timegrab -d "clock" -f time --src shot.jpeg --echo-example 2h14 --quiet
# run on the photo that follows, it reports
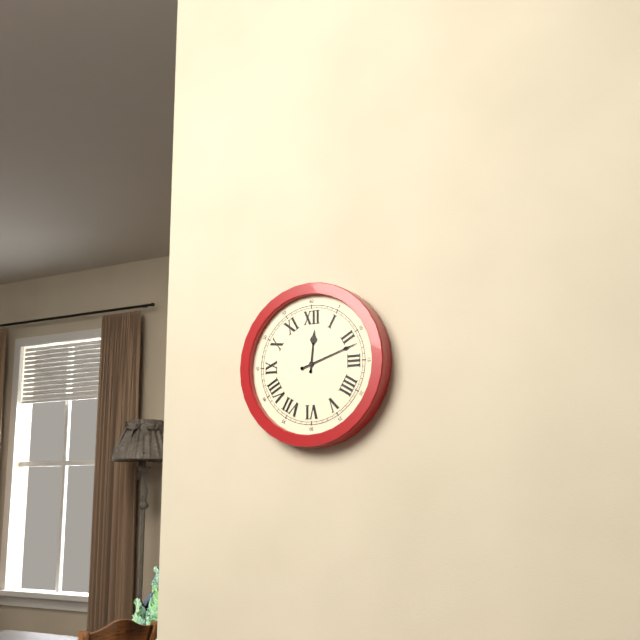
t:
12h12
